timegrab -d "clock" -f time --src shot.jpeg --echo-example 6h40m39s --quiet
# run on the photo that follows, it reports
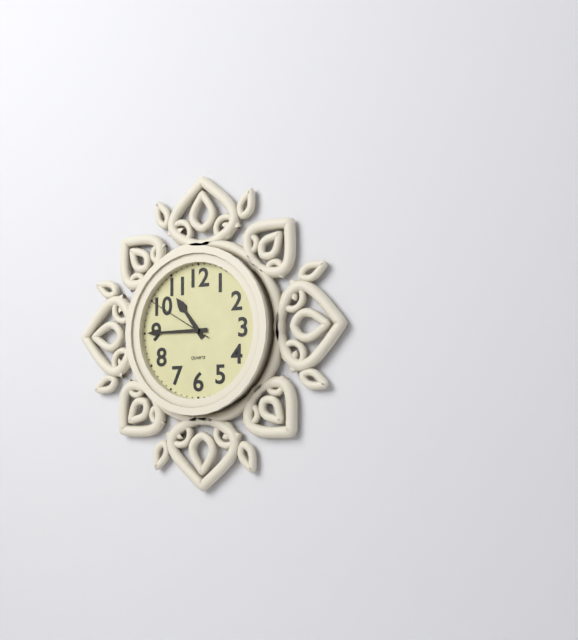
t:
10h45m50s
